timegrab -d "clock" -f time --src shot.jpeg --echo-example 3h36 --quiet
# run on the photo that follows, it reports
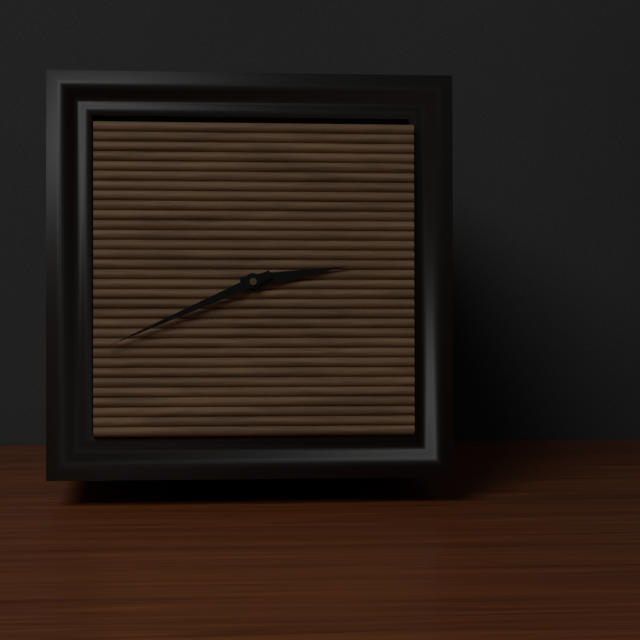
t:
2h41
